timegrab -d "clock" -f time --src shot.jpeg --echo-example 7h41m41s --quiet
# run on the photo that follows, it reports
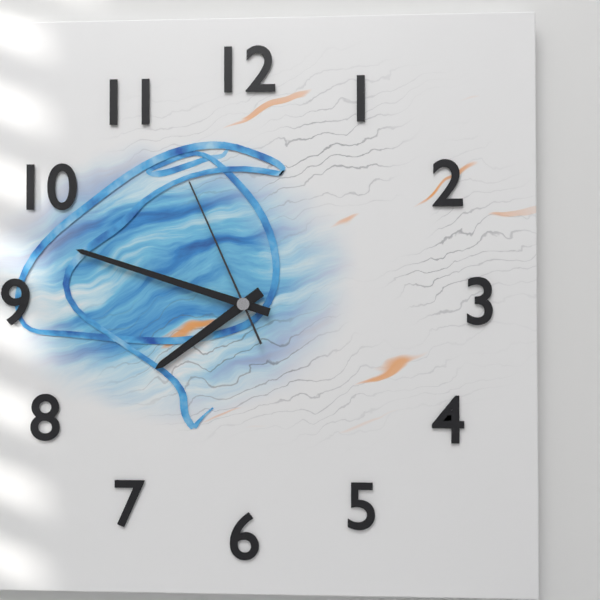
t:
7h48m56s
